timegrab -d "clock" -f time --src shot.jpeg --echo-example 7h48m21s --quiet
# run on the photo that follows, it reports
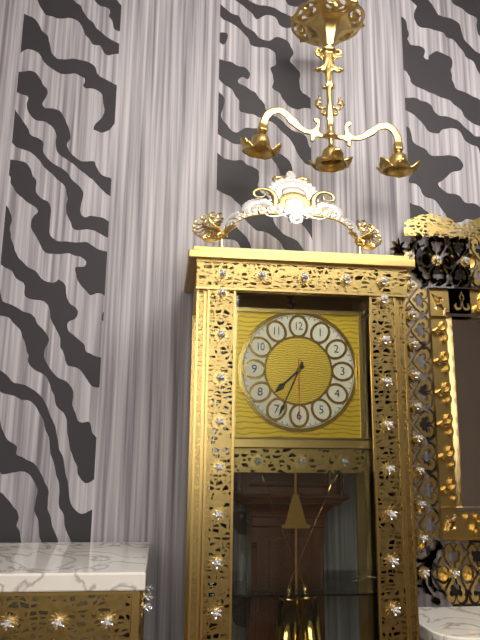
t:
7h34m30s
